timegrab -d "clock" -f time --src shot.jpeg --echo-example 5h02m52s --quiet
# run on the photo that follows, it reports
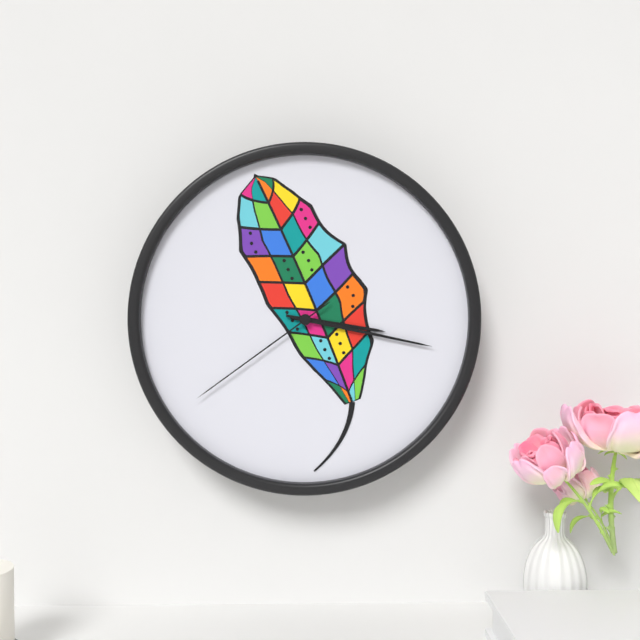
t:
3h17m39s
